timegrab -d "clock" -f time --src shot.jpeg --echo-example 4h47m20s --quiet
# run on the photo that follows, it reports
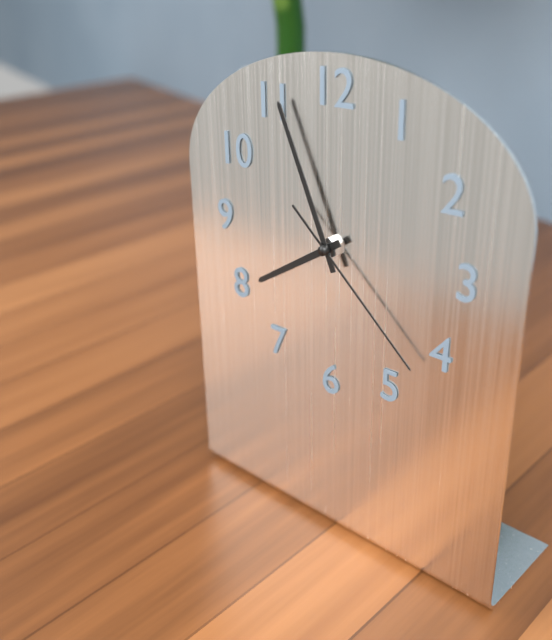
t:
7h56m22s
